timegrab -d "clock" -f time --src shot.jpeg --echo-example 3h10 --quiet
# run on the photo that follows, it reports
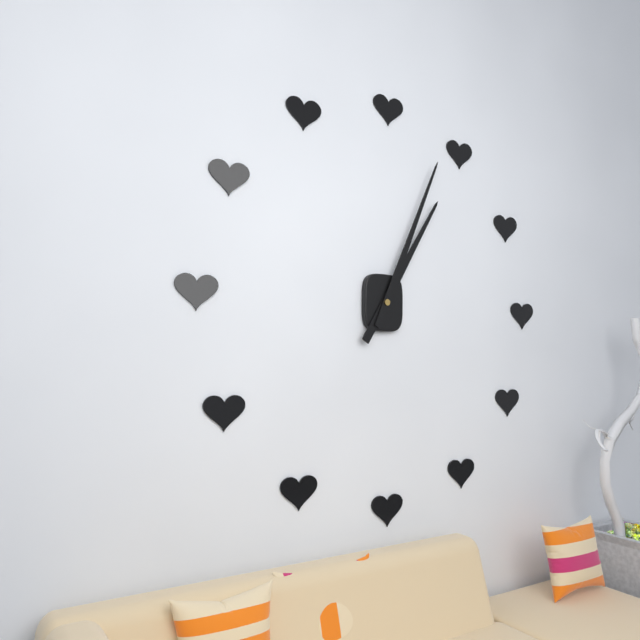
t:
1h04
